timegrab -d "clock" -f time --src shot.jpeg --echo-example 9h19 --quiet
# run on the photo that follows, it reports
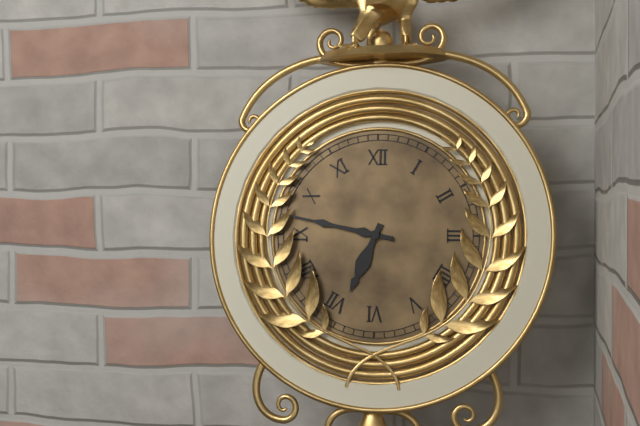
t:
6h47
